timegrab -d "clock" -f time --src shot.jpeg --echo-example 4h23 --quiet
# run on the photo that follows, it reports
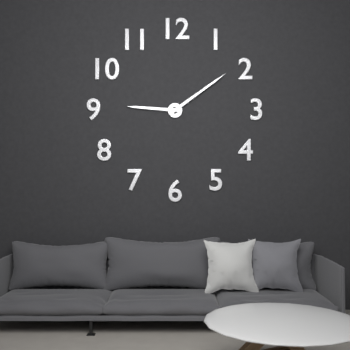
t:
9h09
